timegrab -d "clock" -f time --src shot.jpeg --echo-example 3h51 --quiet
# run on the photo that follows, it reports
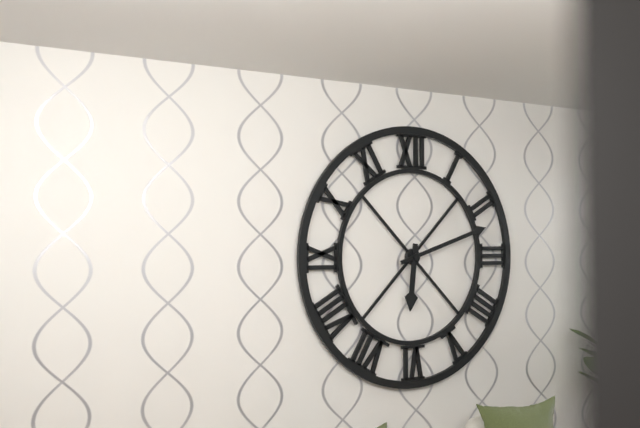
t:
6h12
